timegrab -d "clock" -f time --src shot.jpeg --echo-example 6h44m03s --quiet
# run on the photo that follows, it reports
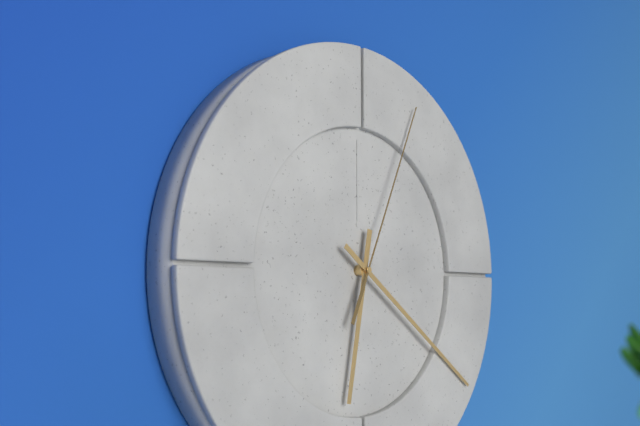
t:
6h21m04s
